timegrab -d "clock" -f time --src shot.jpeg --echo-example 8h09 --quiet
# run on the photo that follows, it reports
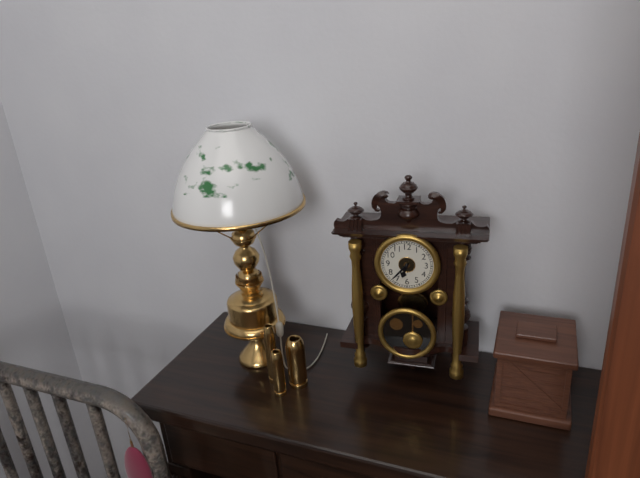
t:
6h37
